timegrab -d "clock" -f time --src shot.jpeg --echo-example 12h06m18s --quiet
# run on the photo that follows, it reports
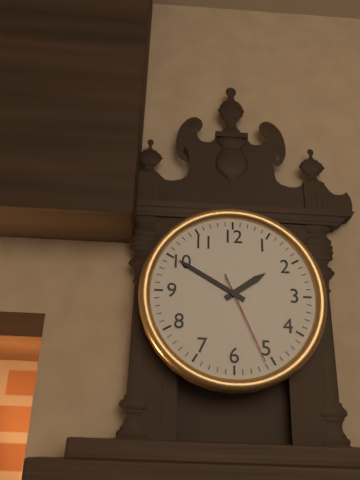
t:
1h50m26s
